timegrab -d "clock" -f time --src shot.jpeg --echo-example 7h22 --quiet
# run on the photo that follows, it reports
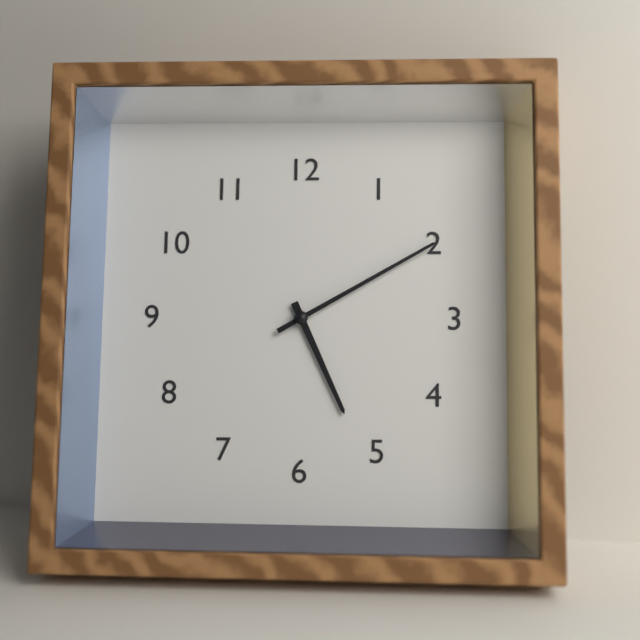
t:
5h10
